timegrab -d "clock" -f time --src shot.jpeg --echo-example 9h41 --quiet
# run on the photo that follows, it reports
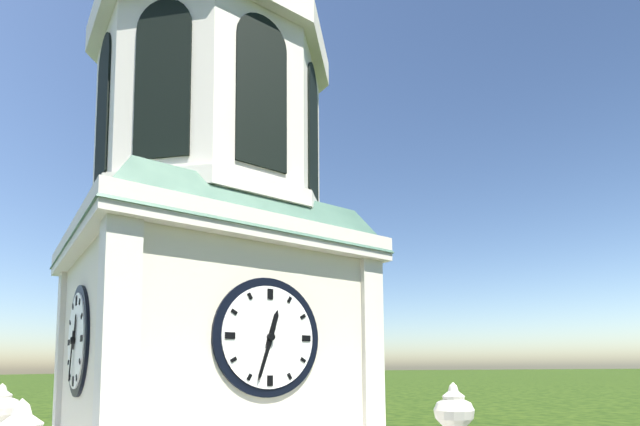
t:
12h33
